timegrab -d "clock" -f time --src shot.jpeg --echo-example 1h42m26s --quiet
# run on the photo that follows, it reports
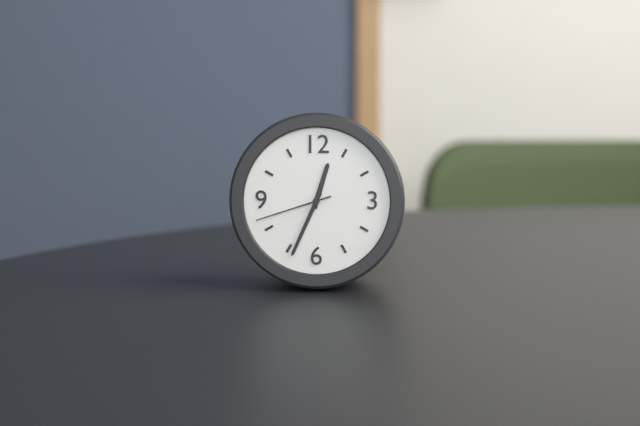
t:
12h34m42s
